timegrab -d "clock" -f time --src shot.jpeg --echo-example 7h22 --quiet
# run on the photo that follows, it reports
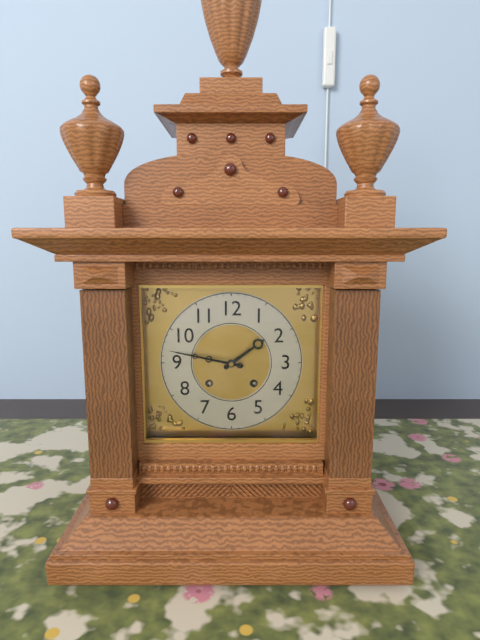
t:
1h47
